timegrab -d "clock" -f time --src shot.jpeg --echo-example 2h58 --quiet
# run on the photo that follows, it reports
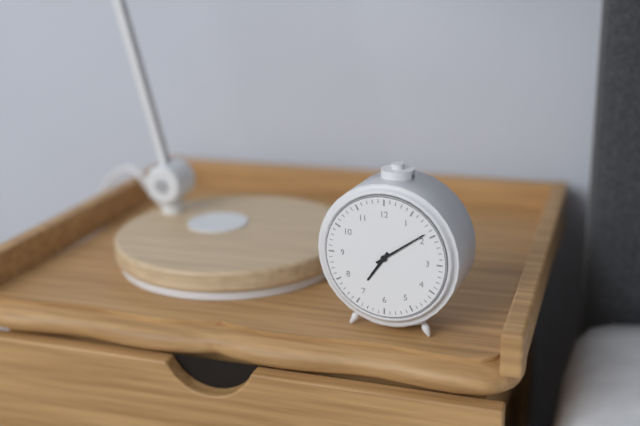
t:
7h09
